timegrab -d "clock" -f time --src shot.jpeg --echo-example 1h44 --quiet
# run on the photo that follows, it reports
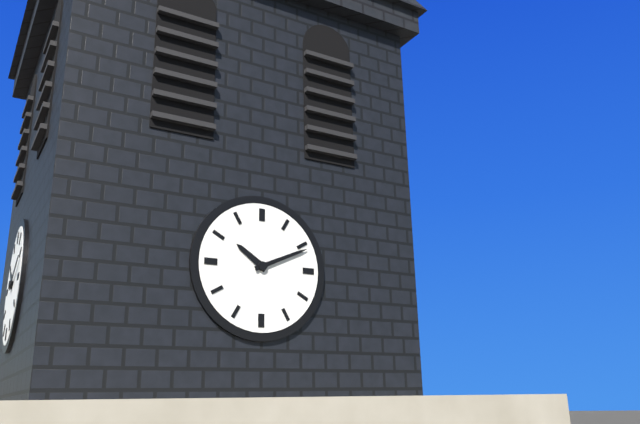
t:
10h11
